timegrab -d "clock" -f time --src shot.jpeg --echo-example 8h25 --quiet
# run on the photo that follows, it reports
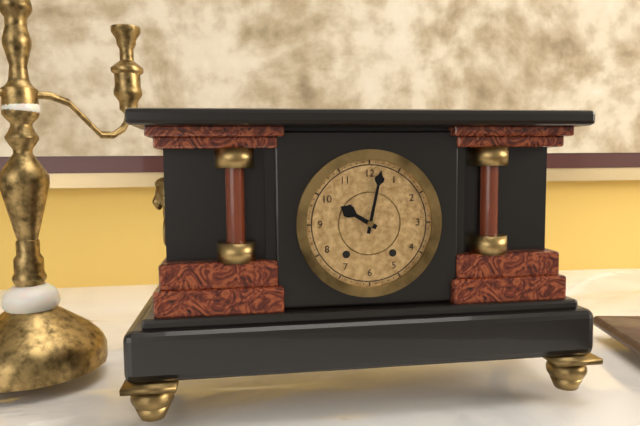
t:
10h02
